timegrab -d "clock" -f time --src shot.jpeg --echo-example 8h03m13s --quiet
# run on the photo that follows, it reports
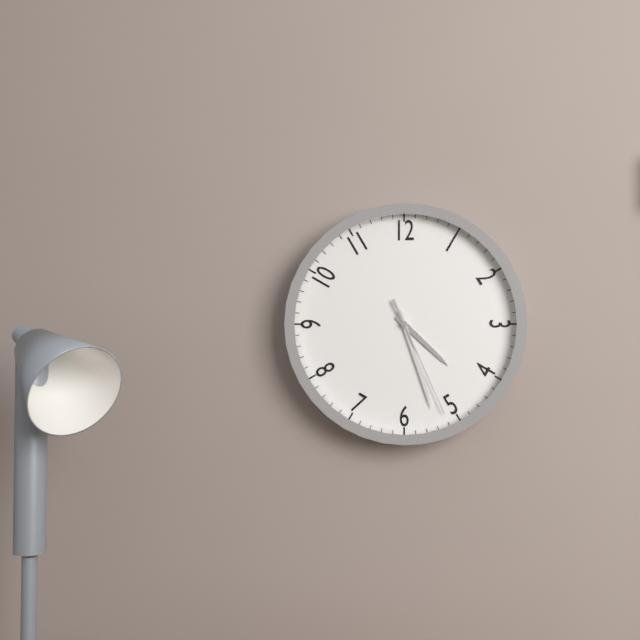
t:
4h27m26s
